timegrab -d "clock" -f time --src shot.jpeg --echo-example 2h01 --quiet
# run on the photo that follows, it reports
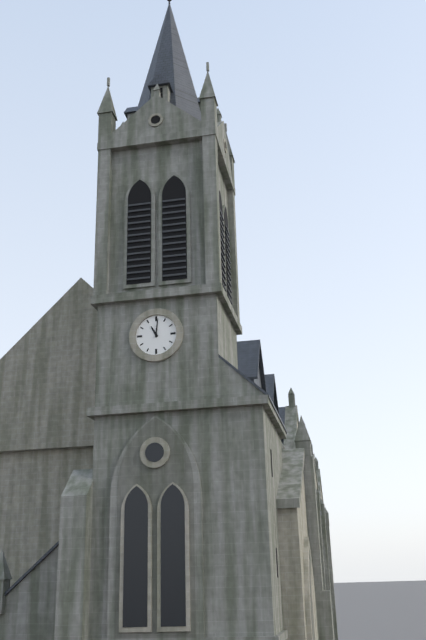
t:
11h01
